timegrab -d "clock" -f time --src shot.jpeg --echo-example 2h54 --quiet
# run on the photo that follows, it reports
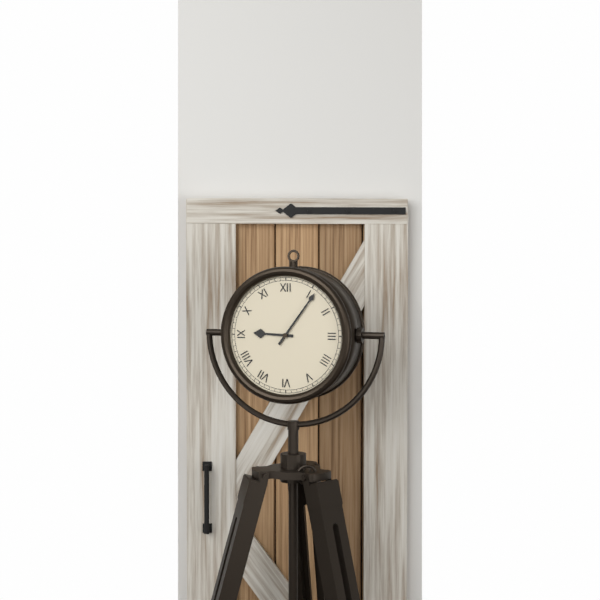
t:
9h06
